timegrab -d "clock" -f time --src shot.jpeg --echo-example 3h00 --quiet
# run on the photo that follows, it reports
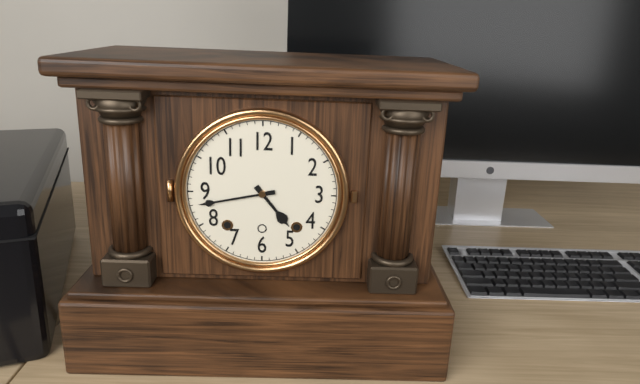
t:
4h43
